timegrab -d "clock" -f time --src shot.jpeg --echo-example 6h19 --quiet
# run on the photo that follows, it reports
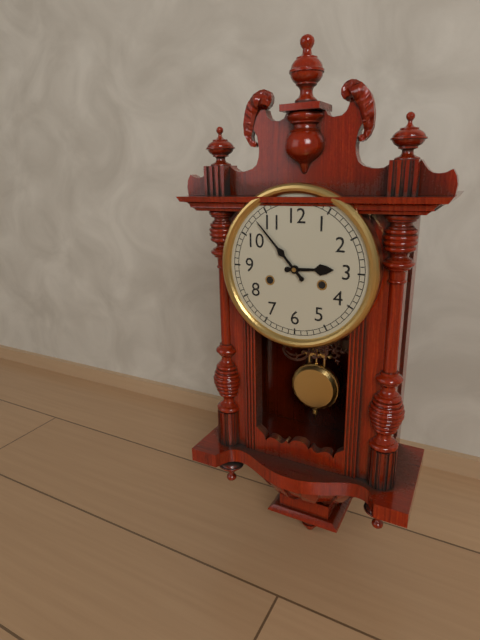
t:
2h53
